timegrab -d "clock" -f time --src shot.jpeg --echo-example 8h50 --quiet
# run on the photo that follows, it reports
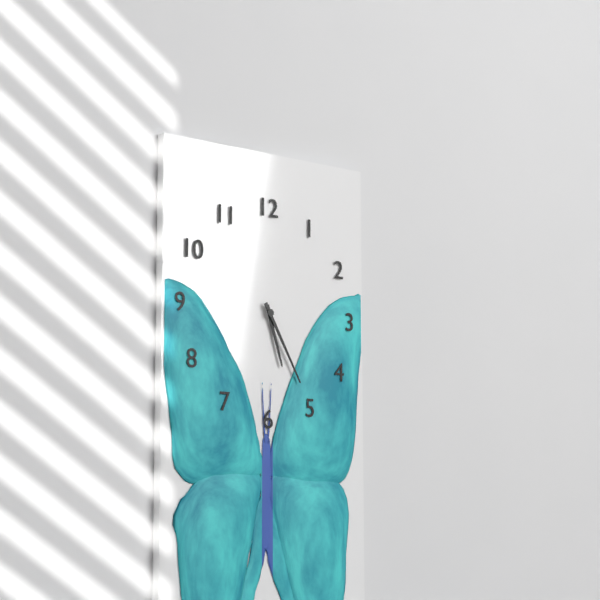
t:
5h25
